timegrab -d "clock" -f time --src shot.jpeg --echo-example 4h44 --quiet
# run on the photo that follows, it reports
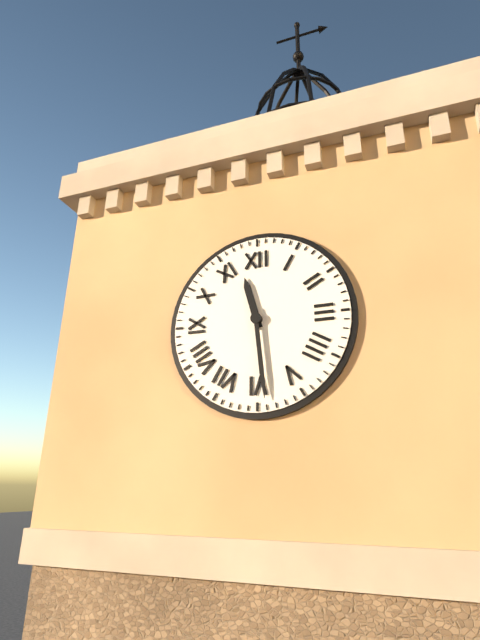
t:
11h29
